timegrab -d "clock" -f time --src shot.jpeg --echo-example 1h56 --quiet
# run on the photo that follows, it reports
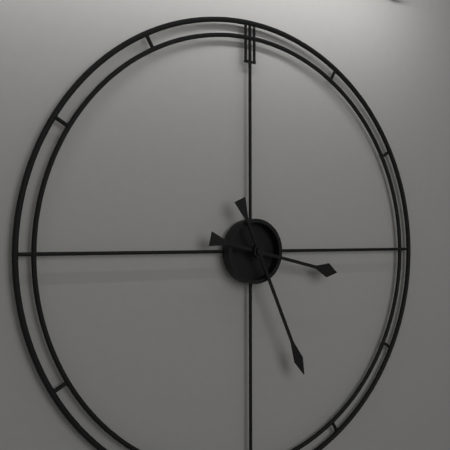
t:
3h26
